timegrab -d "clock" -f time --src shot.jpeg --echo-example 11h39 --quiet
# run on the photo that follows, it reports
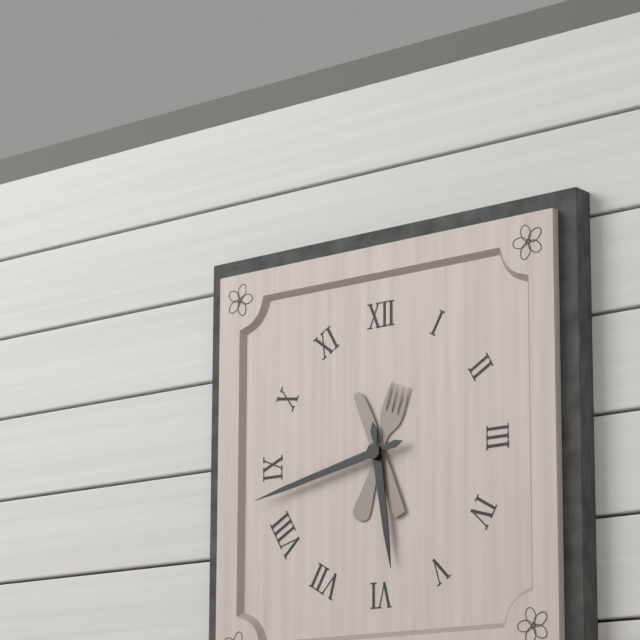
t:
5h43
